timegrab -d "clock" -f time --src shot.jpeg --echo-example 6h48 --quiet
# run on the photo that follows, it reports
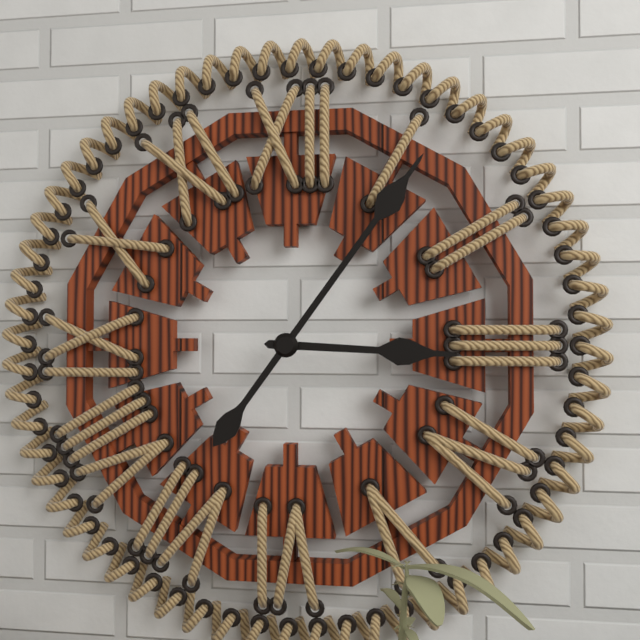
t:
3h06
